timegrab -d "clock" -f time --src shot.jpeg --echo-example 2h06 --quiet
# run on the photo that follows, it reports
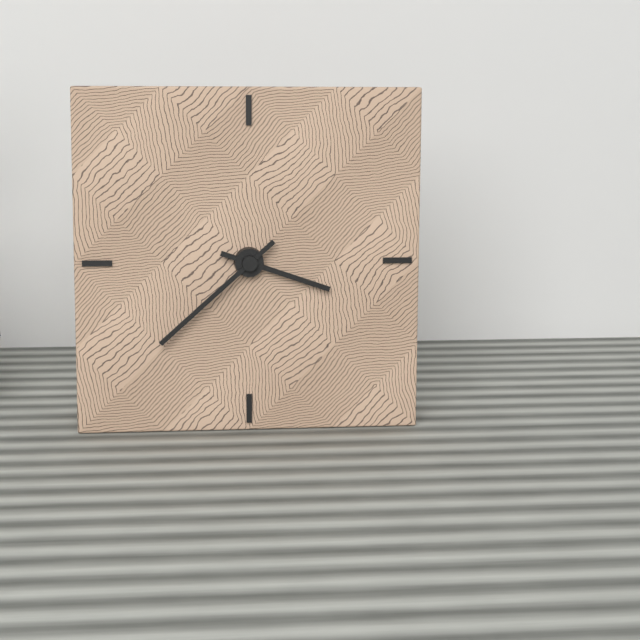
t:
3h38
